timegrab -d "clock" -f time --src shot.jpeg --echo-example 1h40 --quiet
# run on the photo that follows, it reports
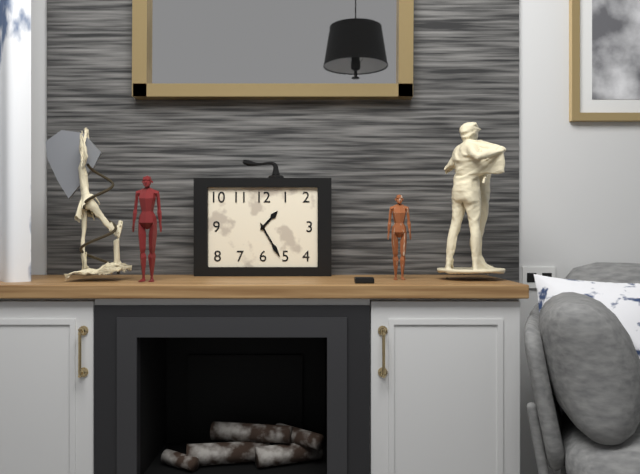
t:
1h25
